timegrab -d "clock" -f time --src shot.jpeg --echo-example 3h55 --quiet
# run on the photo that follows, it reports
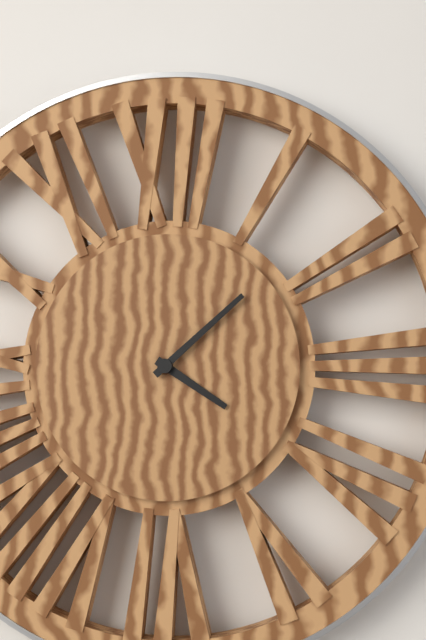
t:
4h08
